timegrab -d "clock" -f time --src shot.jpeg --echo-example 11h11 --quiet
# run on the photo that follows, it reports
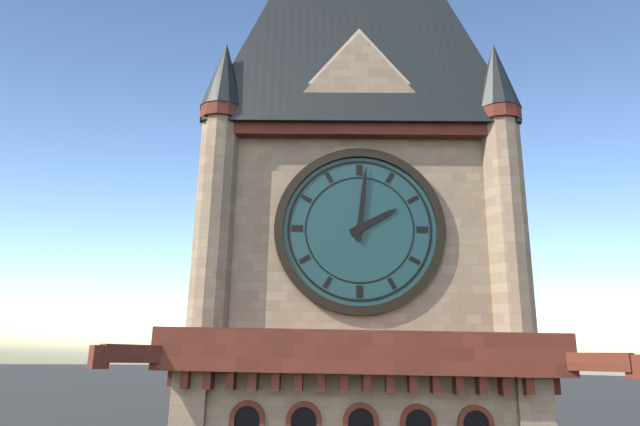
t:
2h01
